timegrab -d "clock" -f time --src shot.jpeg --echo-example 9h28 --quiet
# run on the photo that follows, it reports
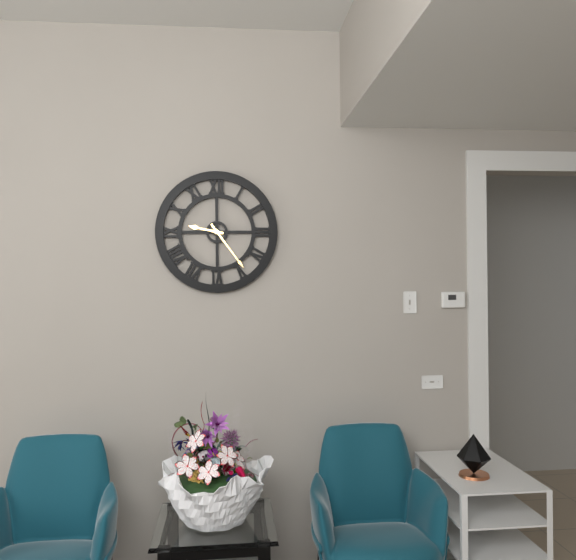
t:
9h24
